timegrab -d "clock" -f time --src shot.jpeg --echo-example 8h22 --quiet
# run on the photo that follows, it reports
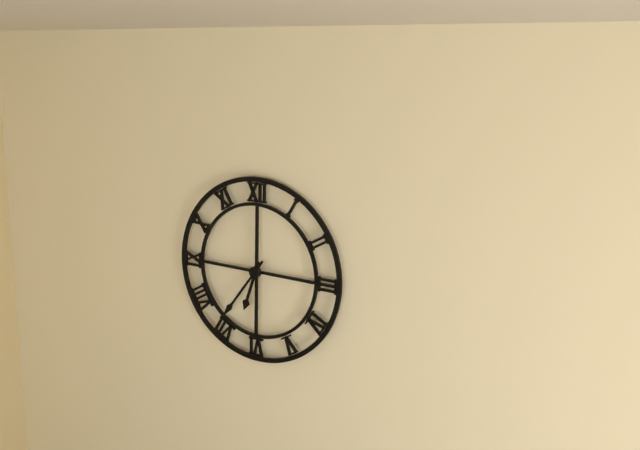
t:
6h36
